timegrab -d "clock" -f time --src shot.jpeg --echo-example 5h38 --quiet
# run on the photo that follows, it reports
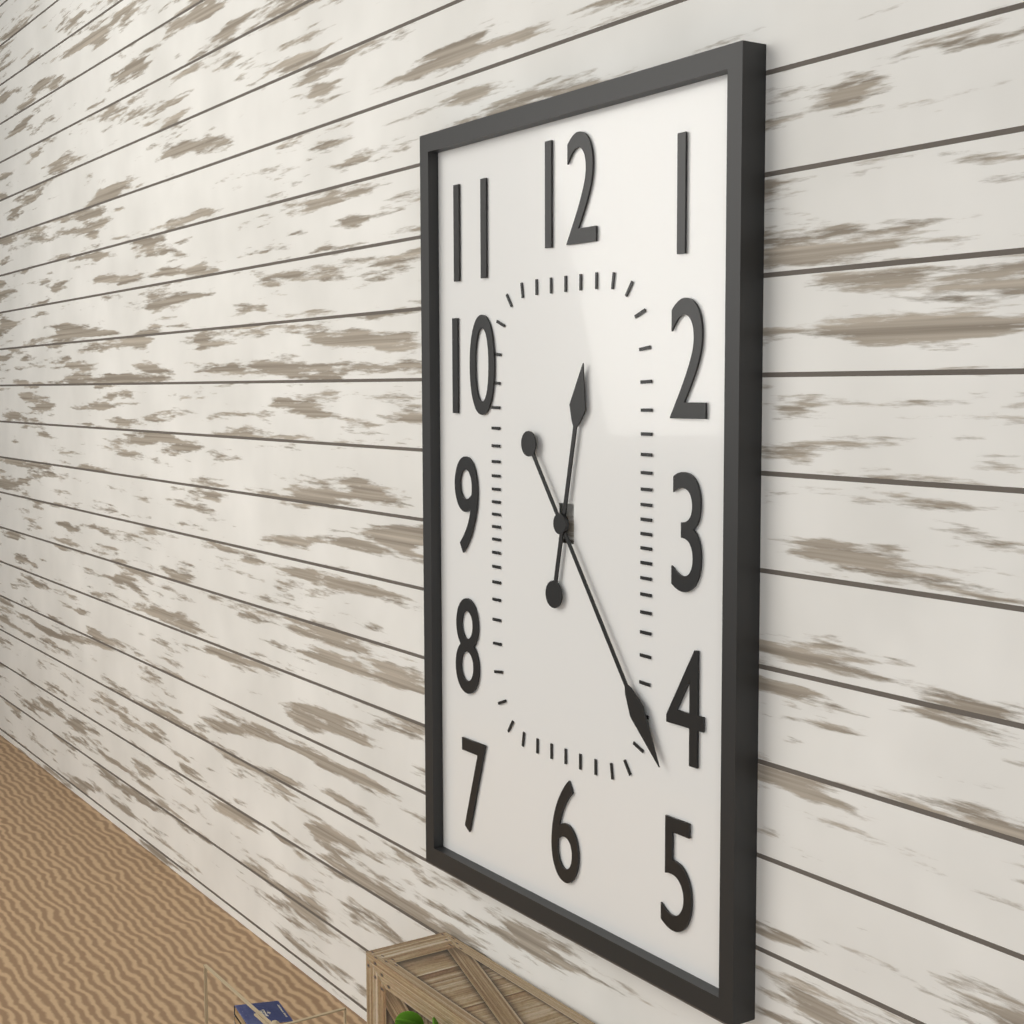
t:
12h24
